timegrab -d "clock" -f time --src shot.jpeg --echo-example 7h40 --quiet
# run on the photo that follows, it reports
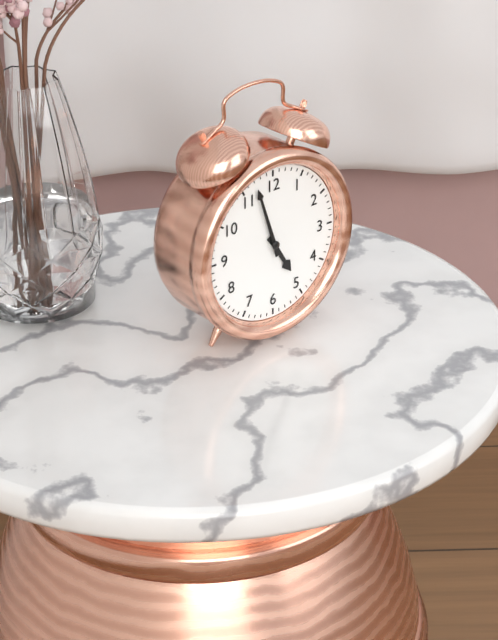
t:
4h57
